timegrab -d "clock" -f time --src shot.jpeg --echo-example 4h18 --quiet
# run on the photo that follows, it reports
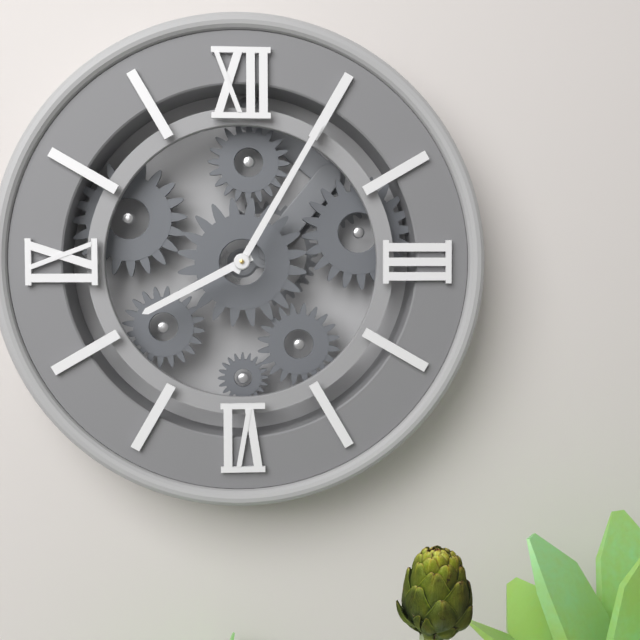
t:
8h05
